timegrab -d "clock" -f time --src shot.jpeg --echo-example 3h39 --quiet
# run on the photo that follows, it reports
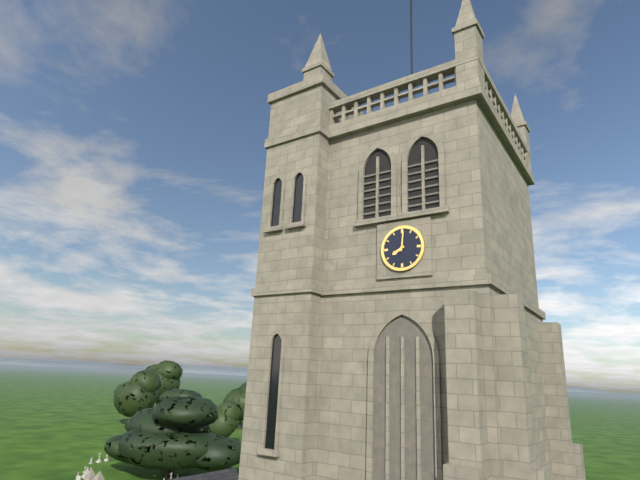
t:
8h01
